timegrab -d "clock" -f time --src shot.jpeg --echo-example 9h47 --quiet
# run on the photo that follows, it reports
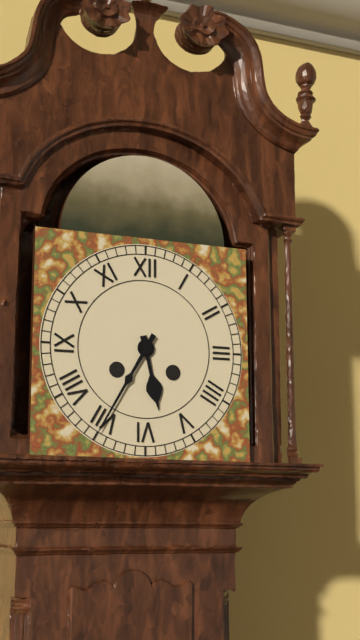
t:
5h35
